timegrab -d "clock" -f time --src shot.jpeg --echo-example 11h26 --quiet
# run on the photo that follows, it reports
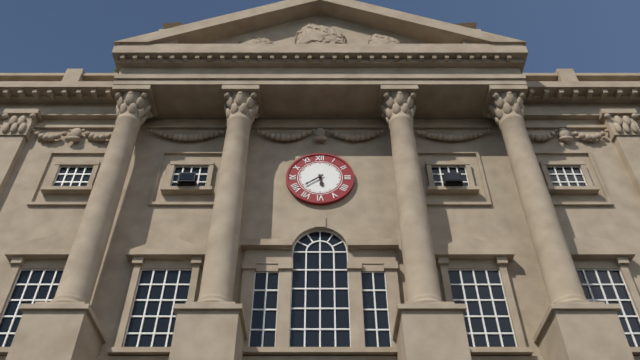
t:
5h39
